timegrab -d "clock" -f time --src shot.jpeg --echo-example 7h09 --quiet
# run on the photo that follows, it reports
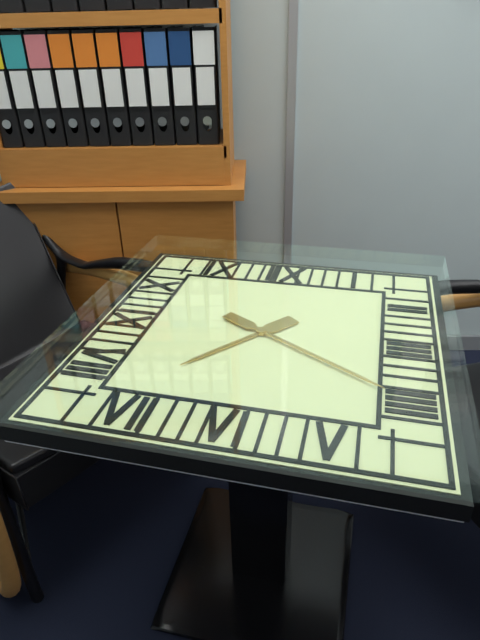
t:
7h20
